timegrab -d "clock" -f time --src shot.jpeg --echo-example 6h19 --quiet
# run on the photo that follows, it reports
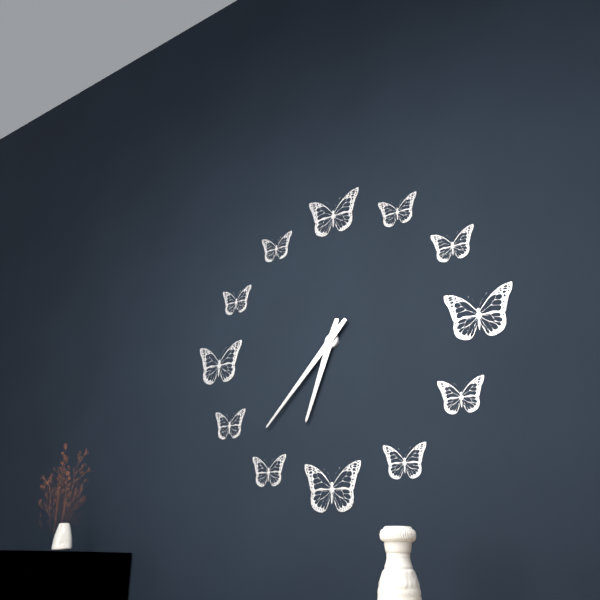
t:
6h37
